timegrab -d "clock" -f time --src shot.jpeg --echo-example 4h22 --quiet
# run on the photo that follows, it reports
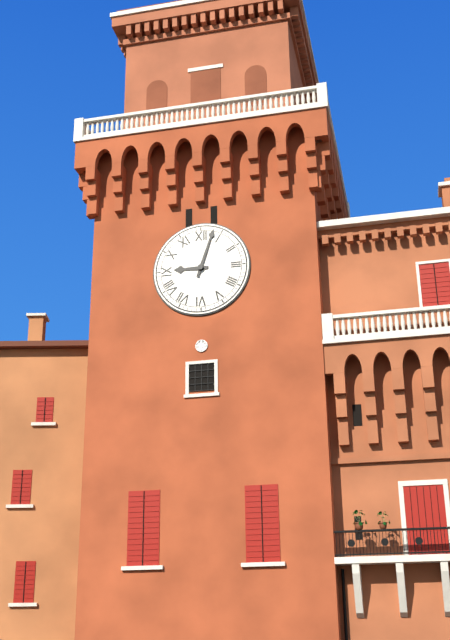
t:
9h03
